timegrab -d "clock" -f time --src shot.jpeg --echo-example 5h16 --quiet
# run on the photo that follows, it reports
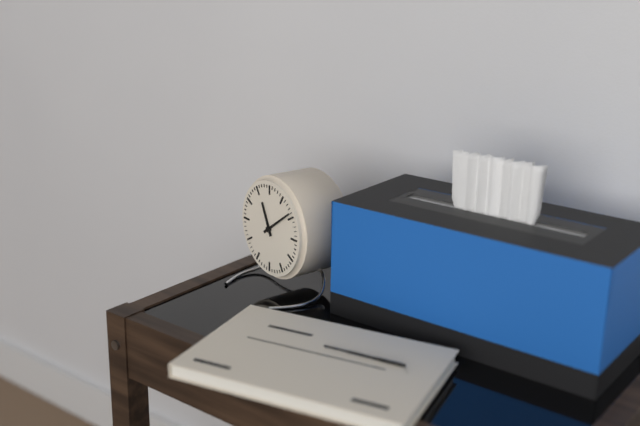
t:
11h09
